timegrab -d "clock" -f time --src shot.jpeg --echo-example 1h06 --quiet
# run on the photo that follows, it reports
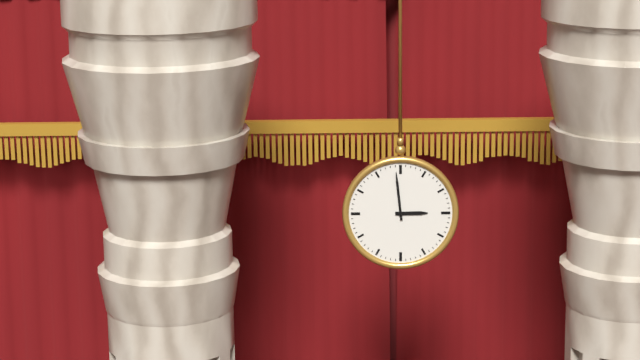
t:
2h59
